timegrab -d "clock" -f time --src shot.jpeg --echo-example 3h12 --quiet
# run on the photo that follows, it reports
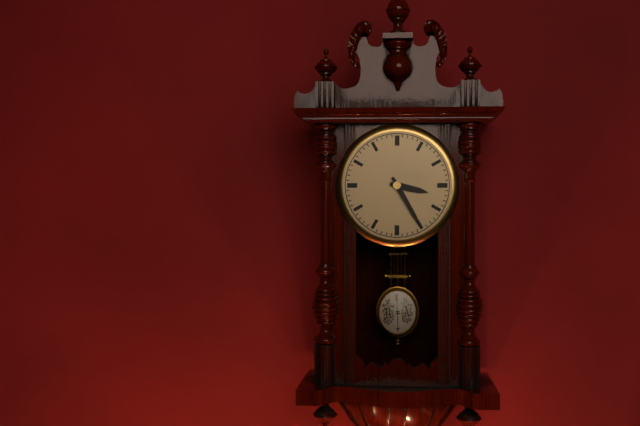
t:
3h25
